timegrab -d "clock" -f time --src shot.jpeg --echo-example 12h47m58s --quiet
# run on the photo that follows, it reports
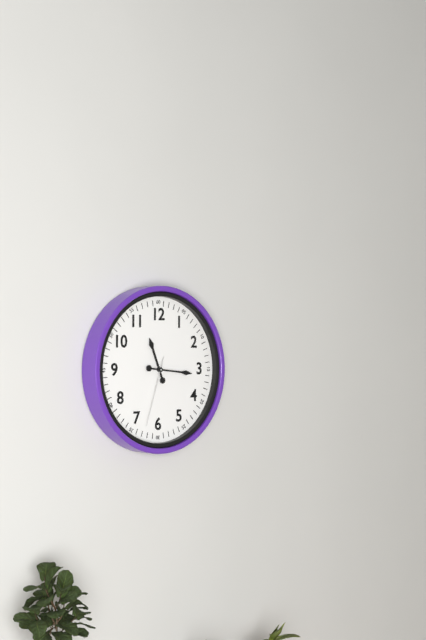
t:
11h16m33s
